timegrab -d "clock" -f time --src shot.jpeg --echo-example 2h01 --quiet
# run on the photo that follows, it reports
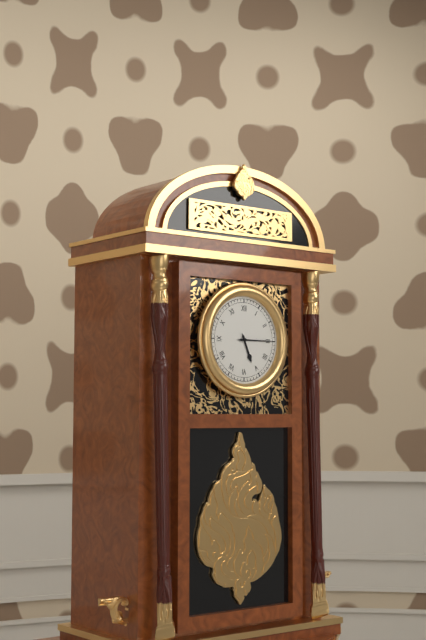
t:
5h15
